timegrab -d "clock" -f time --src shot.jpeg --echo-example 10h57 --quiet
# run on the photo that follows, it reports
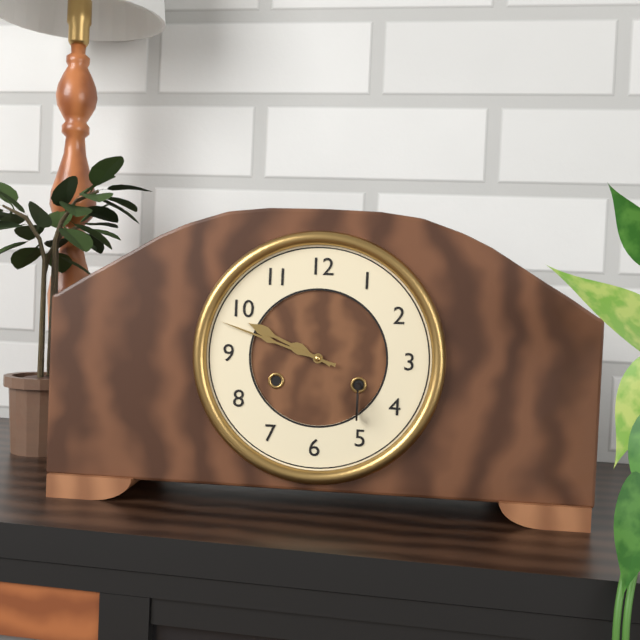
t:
9h48
